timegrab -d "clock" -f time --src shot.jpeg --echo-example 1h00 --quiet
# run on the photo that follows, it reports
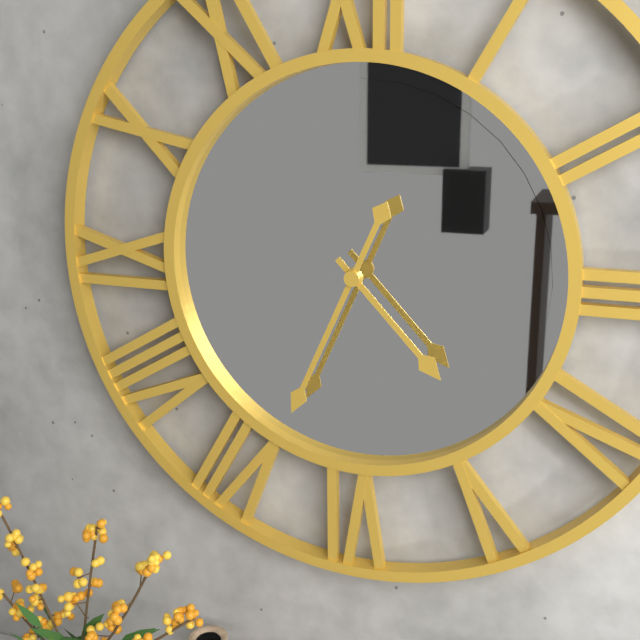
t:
4h34
